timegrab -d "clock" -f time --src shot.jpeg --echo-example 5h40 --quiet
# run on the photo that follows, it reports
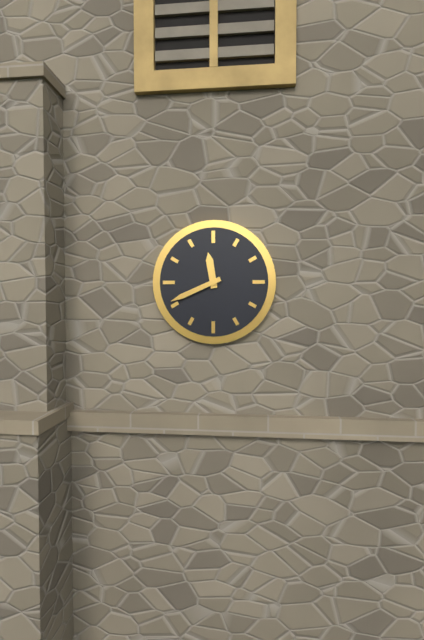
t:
11h41
